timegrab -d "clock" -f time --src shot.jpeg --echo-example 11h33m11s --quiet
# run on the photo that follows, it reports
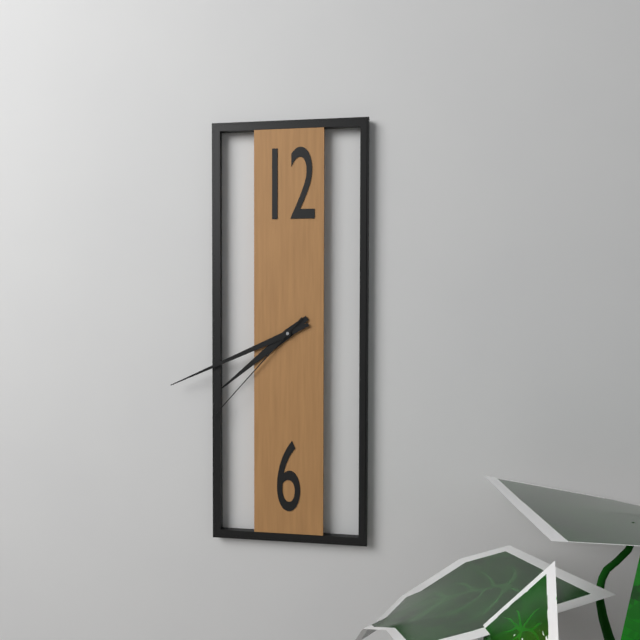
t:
7h41m37s
